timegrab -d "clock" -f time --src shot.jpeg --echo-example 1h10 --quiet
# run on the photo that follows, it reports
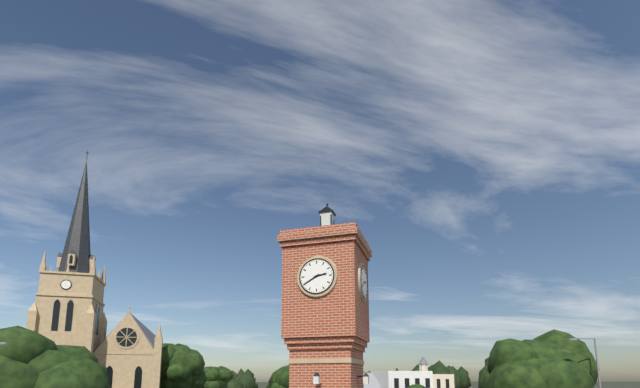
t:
2h40
